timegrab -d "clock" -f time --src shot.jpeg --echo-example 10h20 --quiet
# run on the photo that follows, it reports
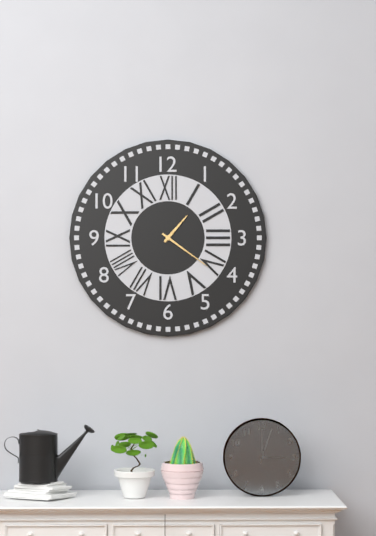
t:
1h21
